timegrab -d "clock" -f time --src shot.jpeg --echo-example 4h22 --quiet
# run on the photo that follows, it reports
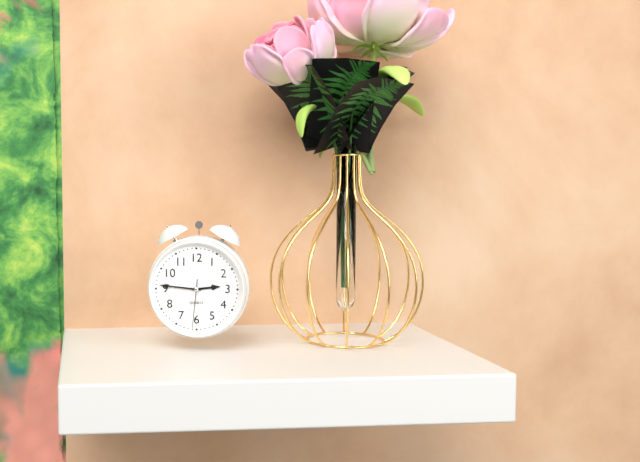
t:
2h46
